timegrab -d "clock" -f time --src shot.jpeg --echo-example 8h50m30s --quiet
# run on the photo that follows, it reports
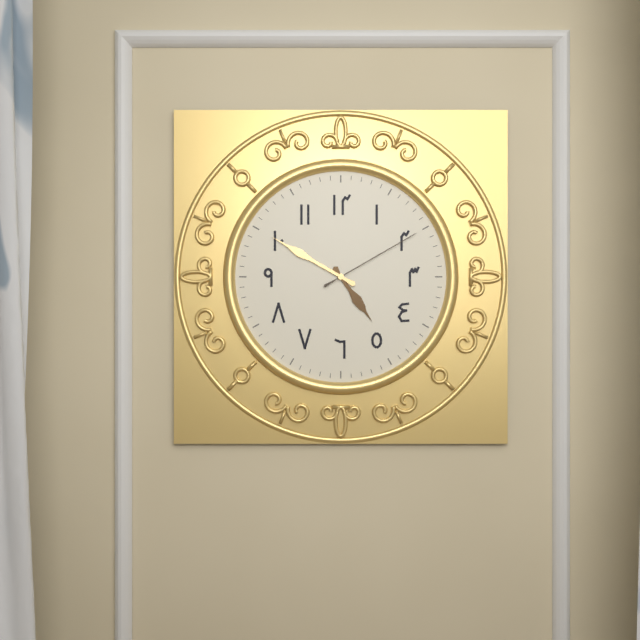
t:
4h50m10s
